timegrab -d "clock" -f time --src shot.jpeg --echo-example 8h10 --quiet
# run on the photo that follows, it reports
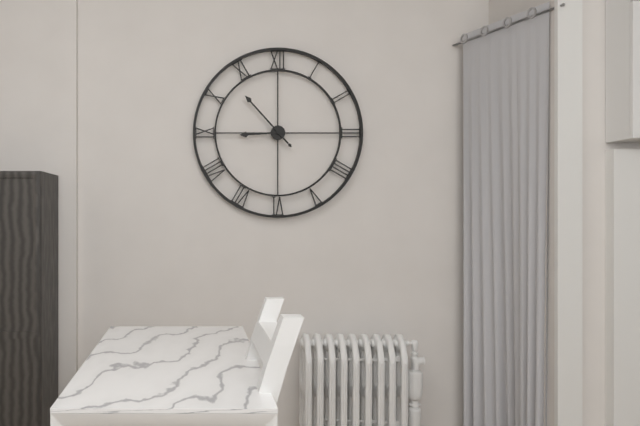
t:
8h53
